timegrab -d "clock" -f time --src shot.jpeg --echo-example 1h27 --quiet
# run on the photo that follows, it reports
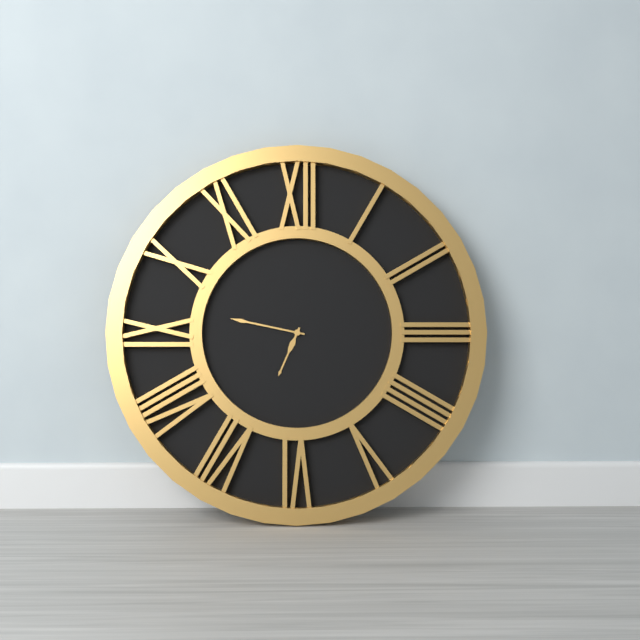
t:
6h47
